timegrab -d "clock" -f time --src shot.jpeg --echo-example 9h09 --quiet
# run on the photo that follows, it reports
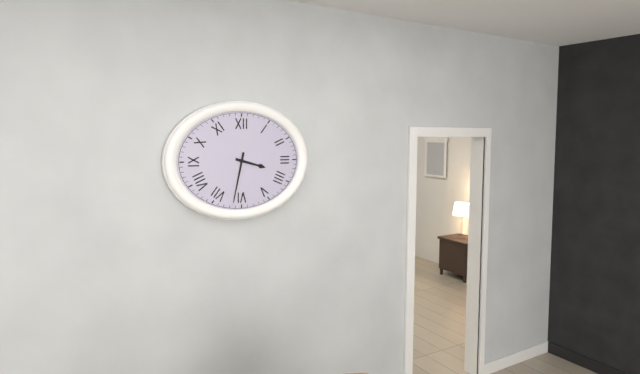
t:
3h32
